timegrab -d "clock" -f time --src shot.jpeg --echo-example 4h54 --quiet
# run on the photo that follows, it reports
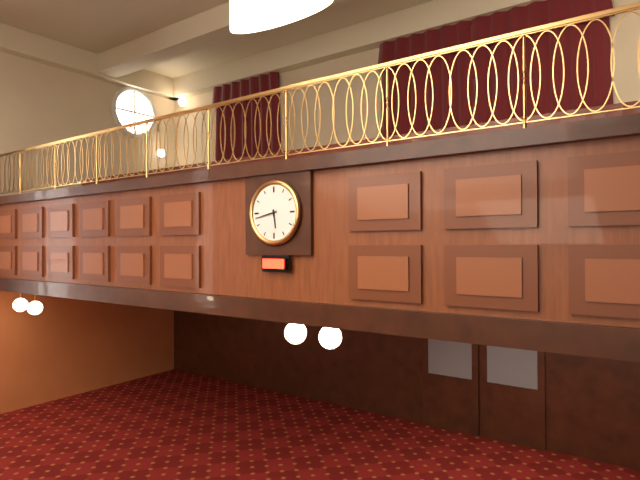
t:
5h43
